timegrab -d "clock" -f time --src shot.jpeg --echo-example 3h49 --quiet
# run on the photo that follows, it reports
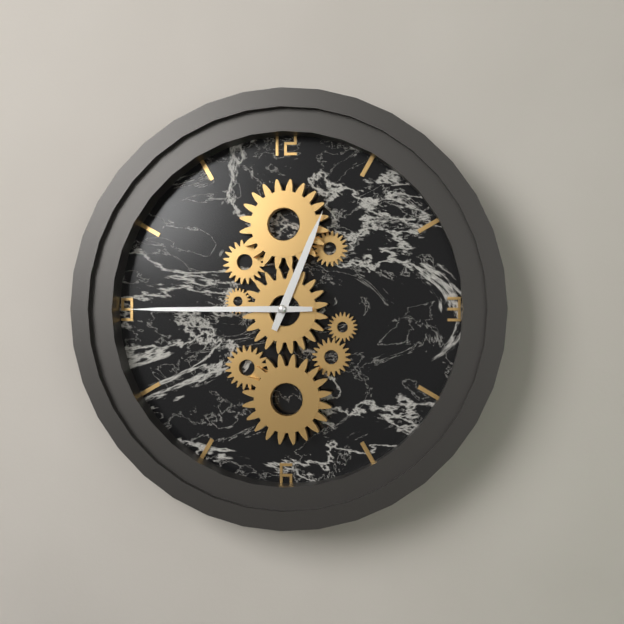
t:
12h45
